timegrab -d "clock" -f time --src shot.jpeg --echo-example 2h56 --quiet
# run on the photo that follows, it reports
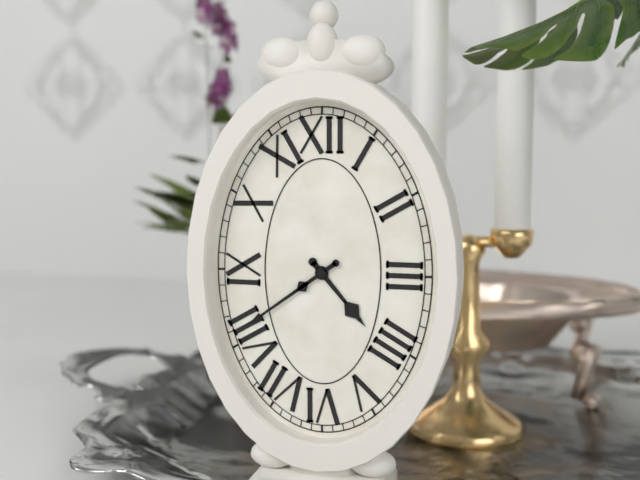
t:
4h39
